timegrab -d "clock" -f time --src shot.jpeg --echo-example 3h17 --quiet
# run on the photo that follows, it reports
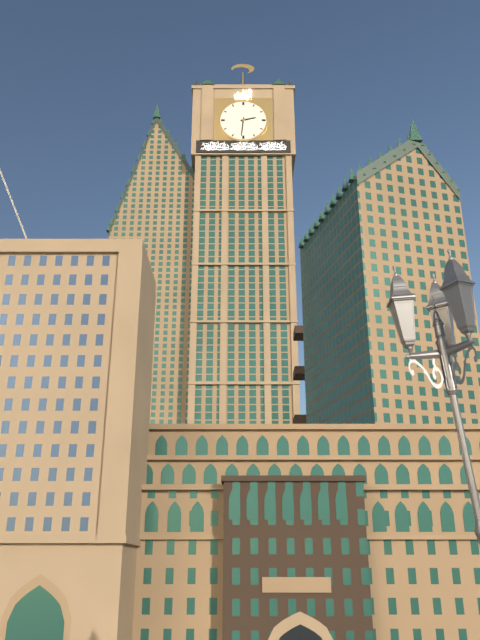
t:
2h31
